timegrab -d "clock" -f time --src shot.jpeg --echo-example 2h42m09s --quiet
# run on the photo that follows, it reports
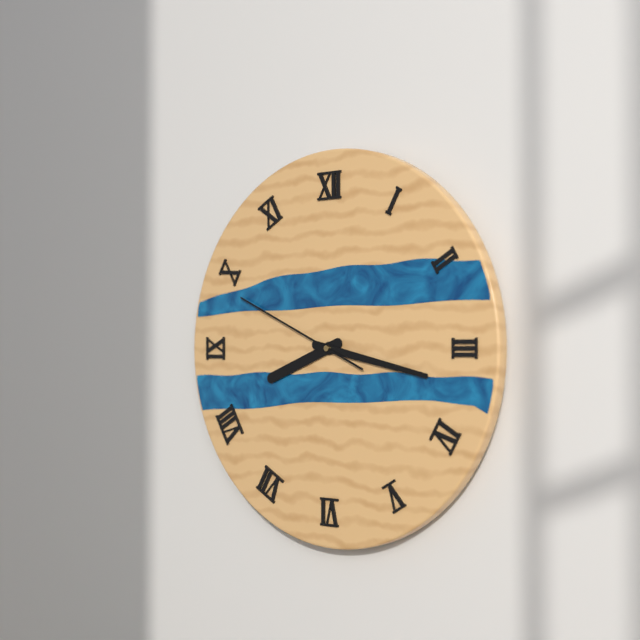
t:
8h17m49s
